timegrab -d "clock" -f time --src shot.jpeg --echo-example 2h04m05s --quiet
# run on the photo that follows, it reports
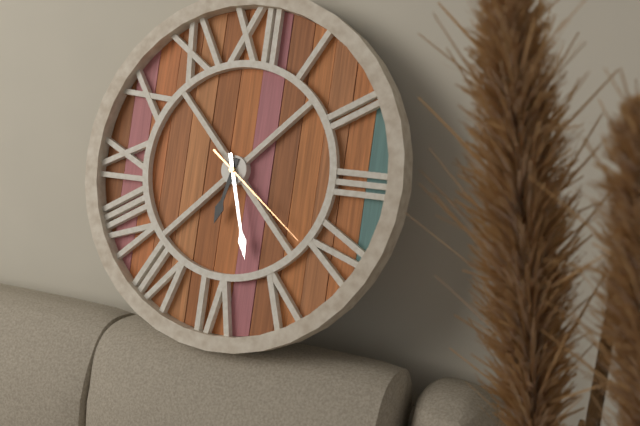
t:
6h27m21s
